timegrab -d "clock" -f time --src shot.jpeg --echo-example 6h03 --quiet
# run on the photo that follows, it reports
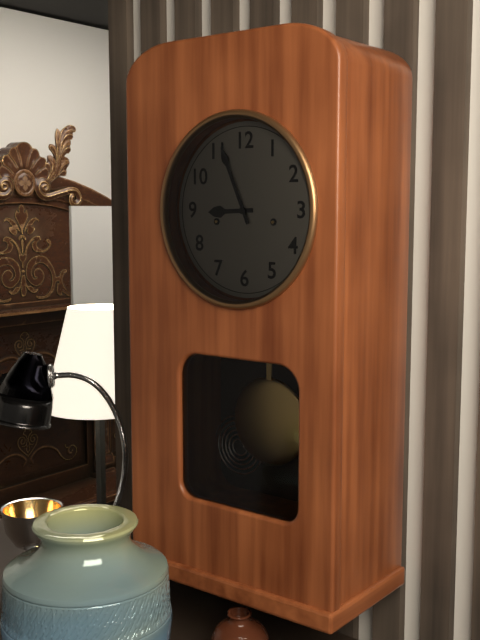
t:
8h56
